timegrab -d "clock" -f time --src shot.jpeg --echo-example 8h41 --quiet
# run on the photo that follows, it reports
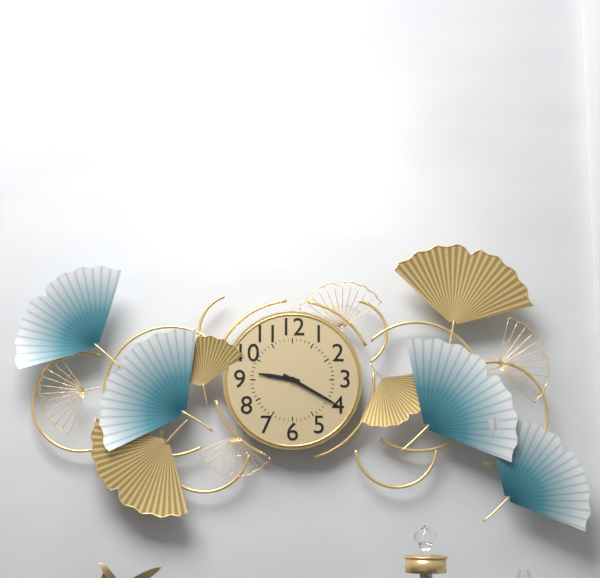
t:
9h20
